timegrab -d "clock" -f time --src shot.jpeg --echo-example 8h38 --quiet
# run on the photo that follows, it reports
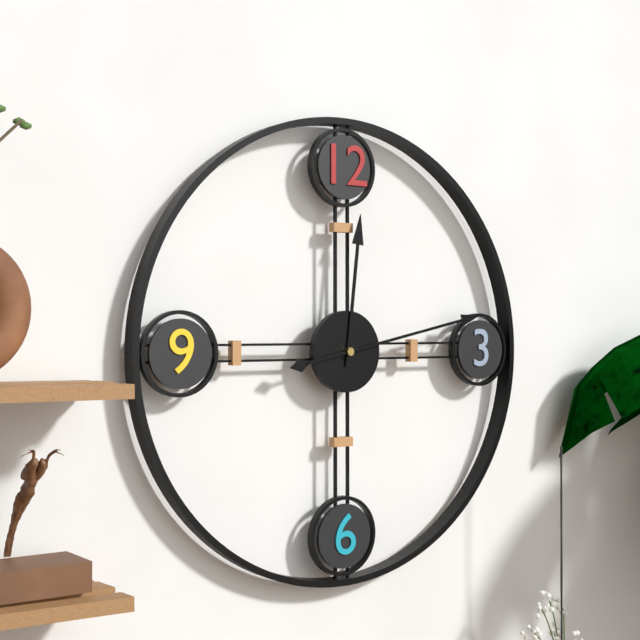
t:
12h13
